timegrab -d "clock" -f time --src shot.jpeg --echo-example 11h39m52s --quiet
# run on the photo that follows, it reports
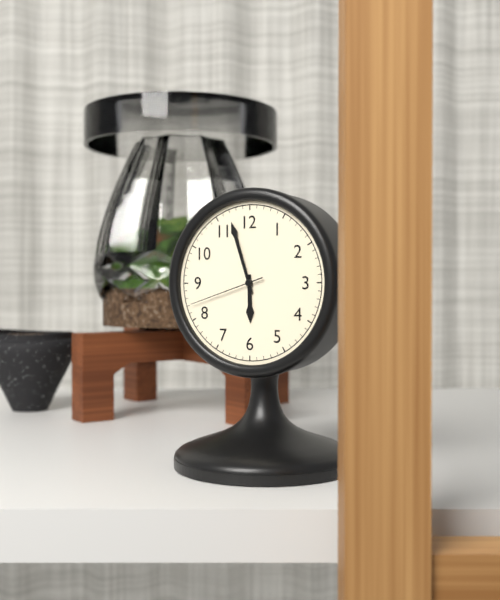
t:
5h57m42s
